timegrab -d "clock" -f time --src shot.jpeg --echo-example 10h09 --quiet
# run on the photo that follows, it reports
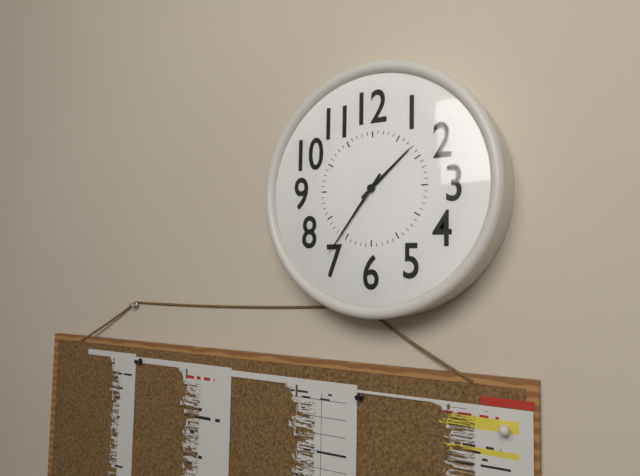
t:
1h36
